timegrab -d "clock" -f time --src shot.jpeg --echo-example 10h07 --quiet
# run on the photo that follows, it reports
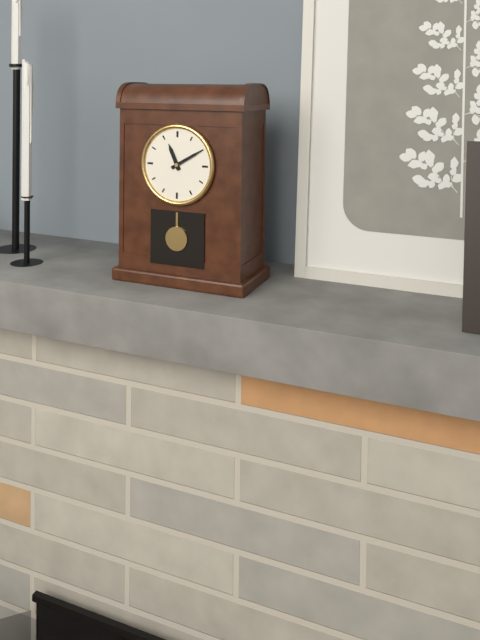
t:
11h10
